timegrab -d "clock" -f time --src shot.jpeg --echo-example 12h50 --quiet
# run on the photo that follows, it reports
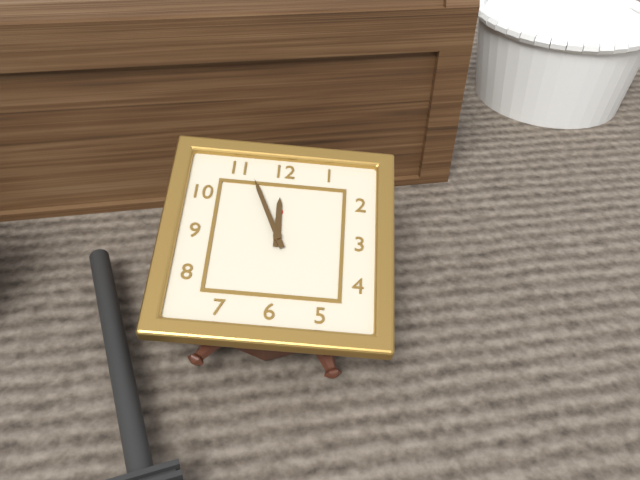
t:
11h56
